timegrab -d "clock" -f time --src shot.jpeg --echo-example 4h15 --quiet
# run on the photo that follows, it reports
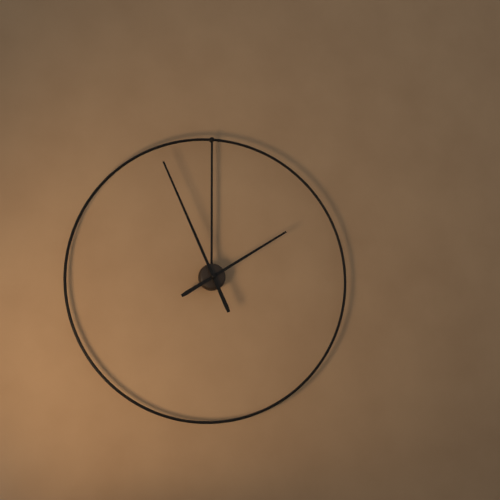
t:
1h56
